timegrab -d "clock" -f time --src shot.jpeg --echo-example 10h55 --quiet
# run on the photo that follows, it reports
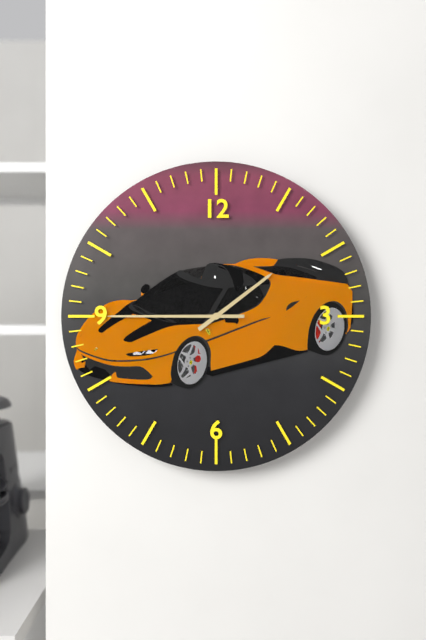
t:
1h45
